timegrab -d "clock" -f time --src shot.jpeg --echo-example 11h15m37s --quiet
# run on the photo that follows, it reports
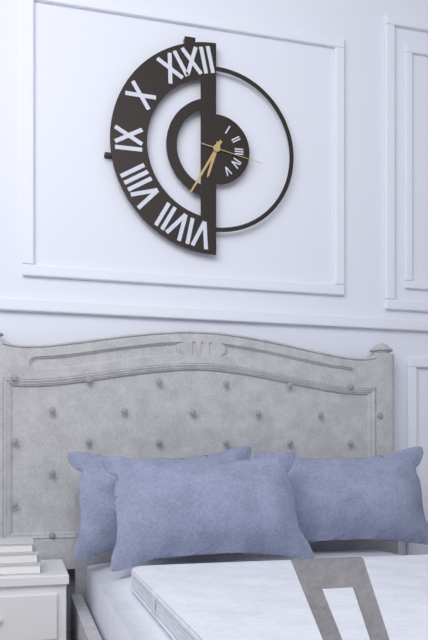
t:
6h35m17s
